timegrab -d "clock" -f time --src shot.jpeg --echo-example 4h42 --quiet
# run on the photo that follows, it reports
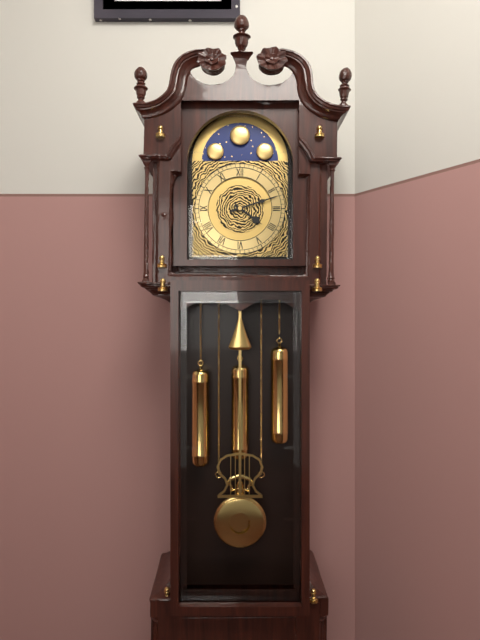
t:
4h12
